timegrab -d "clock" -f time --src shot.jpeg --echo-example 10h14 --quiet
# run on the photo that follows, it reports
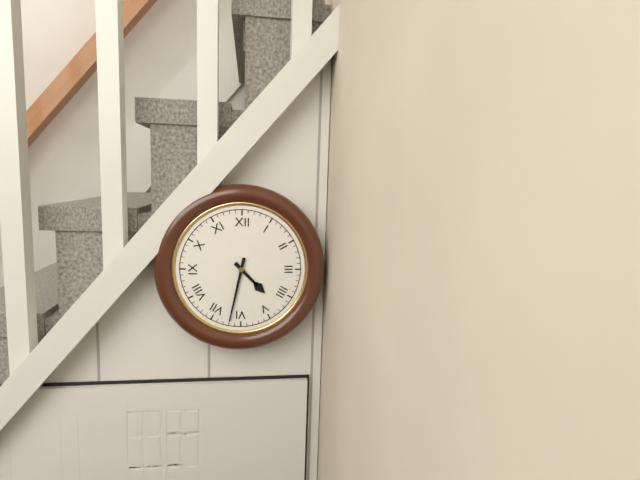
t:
4h32
